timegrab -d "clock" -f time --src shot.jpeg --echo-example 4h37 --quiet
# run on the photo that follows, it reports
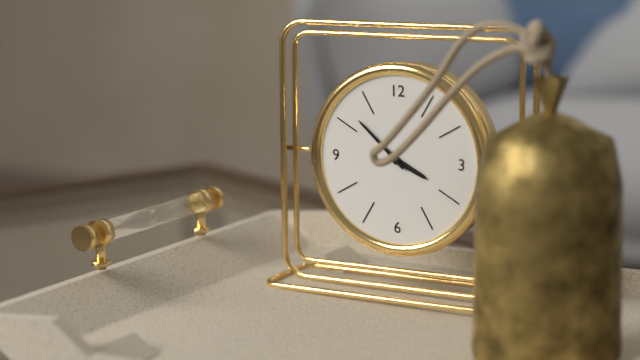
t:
3h52
